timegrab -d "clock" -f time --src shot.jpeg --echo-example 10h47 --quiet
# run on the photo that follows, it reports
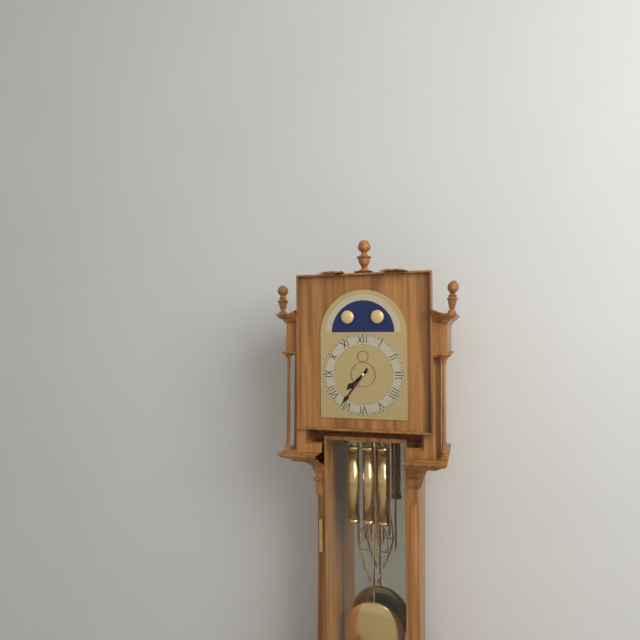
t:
7h36
